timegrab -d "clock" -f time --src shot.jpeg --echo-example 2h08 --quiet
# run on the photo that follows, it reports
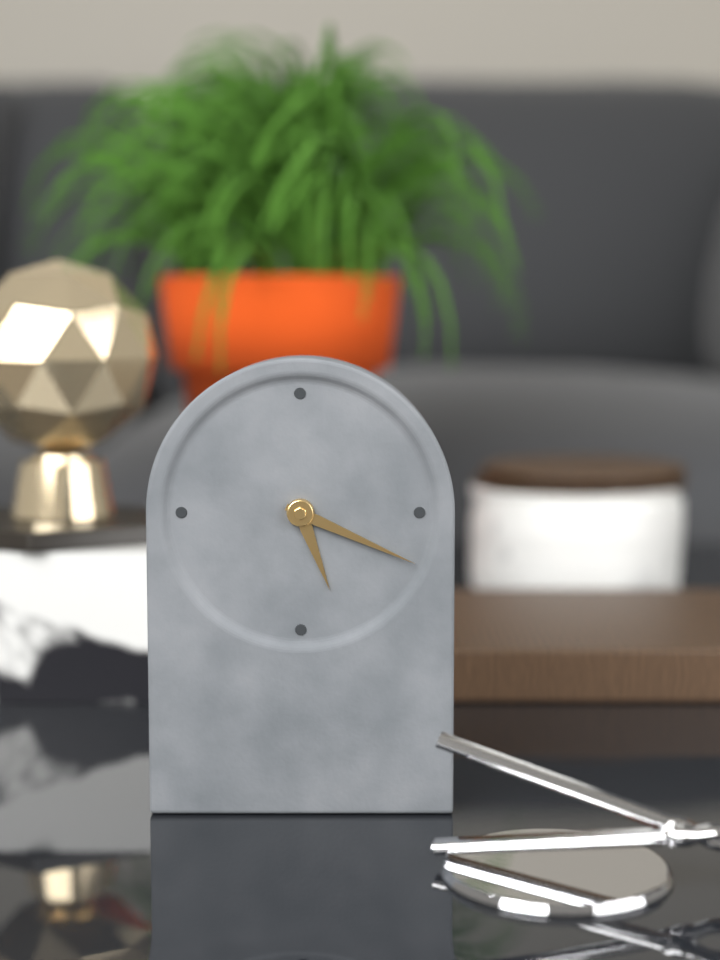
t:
5h19
